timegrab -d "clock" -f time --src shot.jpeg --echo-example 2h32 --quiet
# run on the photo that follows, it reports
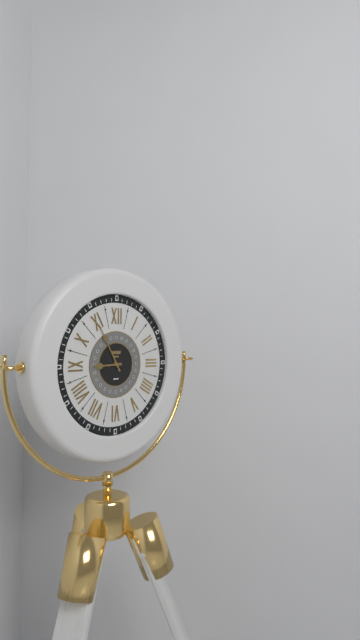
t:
8h55
